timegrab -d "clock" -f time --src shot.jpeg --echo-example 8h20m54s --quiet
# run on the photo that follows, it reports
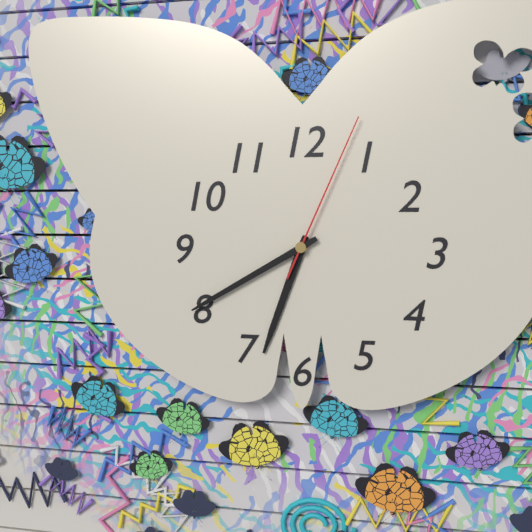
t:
6h40m04s
